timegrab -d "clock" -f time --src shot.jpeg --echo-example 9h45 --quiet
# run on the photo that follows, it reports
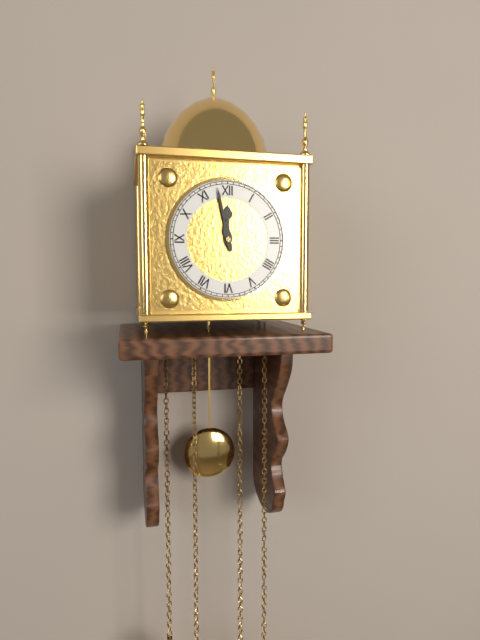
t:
11h58
